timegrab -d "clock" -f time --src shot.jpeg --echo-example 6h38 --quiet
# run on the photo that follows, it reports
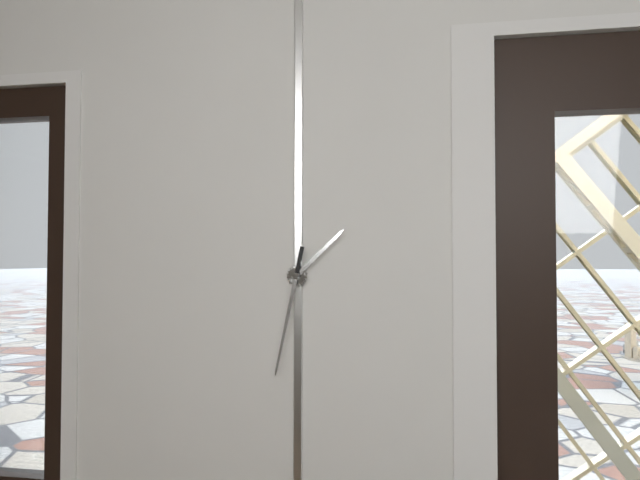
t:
1h32
